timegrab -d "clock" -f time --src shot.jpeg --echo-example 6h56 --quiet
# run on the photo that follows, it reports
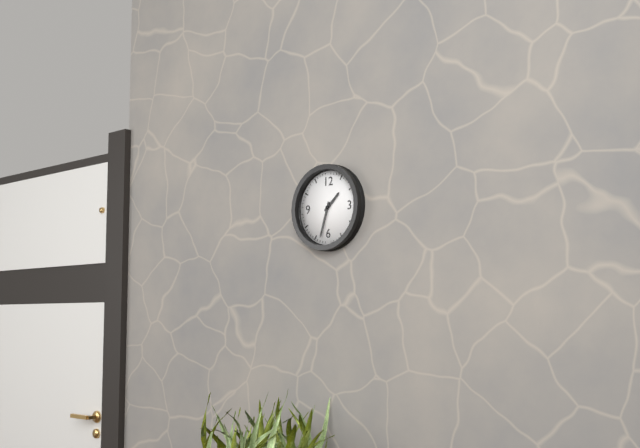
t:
1h33
